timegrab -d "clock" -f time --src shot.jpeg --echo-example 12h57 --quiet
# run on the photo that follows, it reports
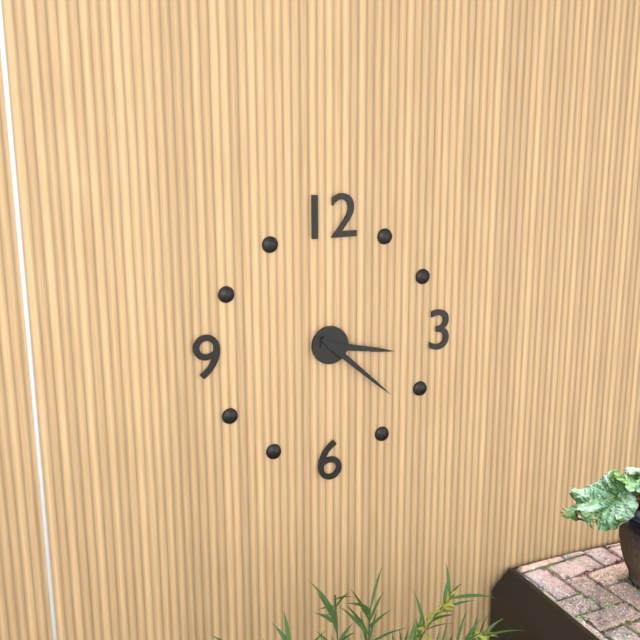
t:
3h22
